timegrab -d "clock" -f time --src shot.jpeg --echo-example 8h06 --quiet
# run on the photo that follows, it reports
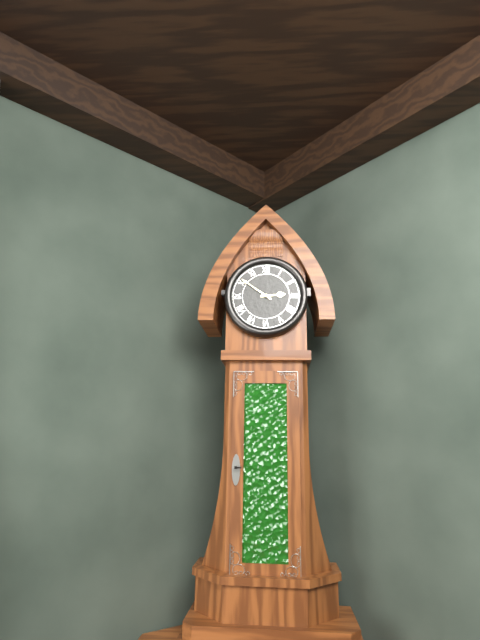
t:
2h51
